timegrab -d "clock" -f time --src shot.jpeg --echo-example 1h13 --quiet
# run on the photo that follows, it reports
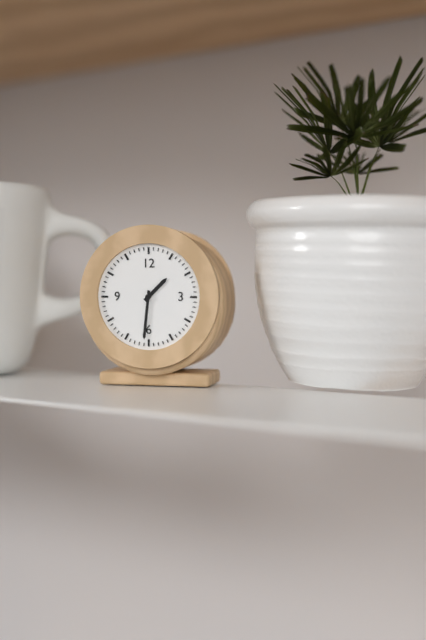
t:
1h31
